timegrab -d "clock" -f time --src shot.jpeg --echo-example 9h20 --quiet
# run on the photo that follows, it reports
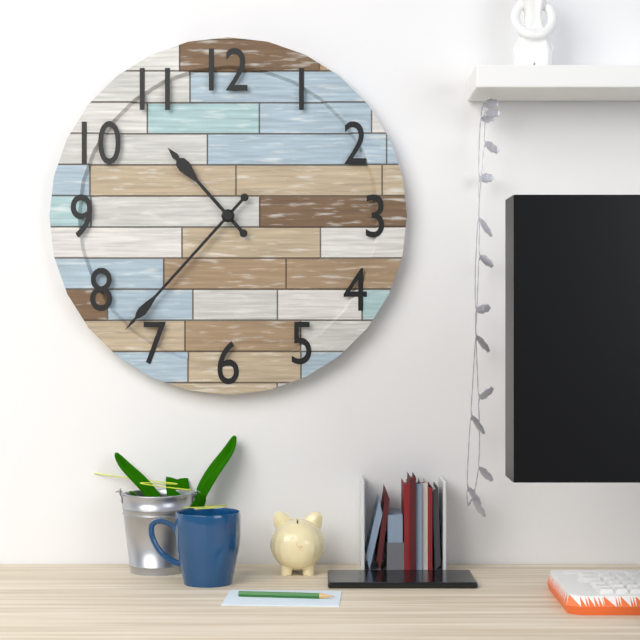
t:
10h37
